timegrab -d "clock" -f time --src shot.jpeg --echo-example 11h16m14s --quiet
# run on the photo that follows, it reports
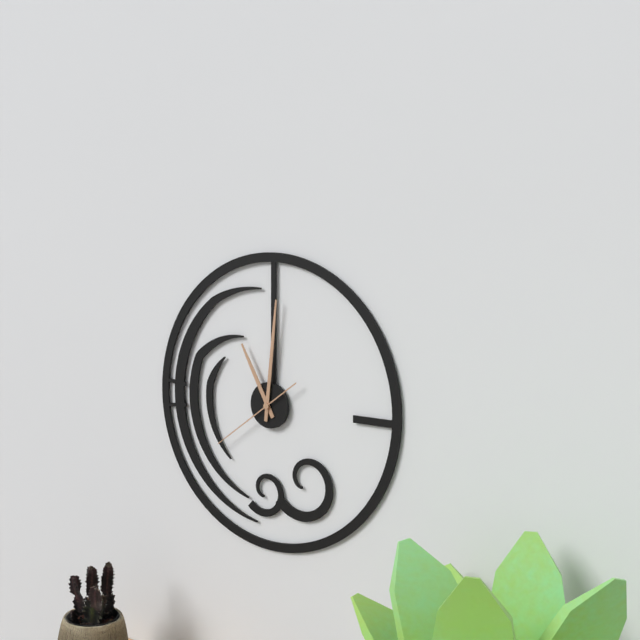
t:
11h01m39s
